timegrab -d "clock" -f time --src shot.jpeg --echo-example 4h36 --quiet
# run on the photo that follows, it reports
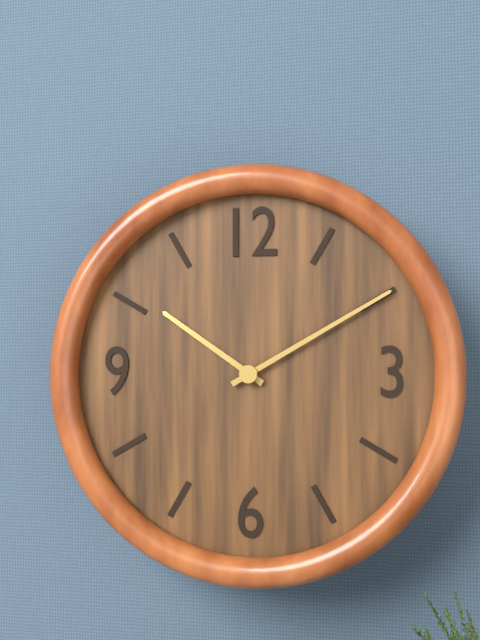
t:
10h10
